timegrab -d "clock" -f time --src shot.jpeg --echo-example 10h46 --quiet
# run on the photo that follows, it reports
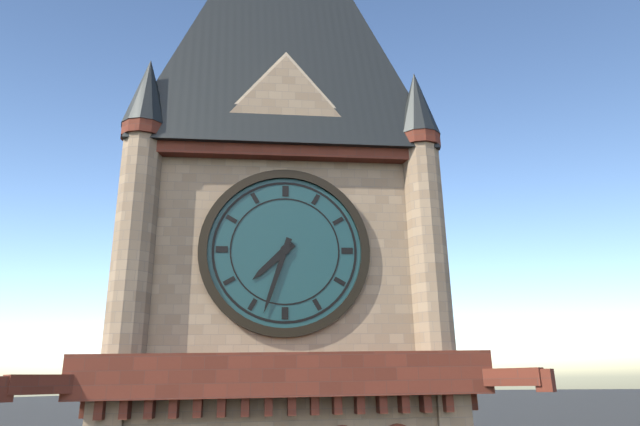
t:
7h33
